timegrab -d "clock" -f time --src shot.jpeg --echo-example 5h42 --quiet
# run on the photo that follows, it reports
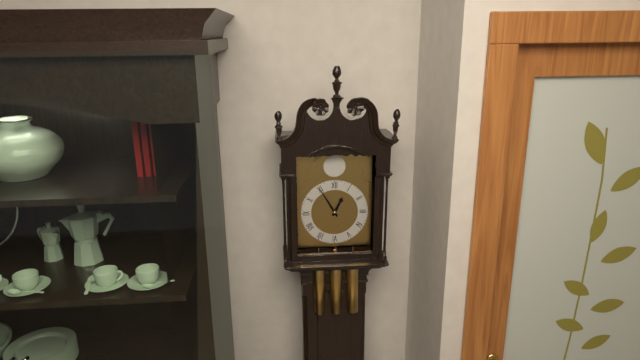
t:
12h55
